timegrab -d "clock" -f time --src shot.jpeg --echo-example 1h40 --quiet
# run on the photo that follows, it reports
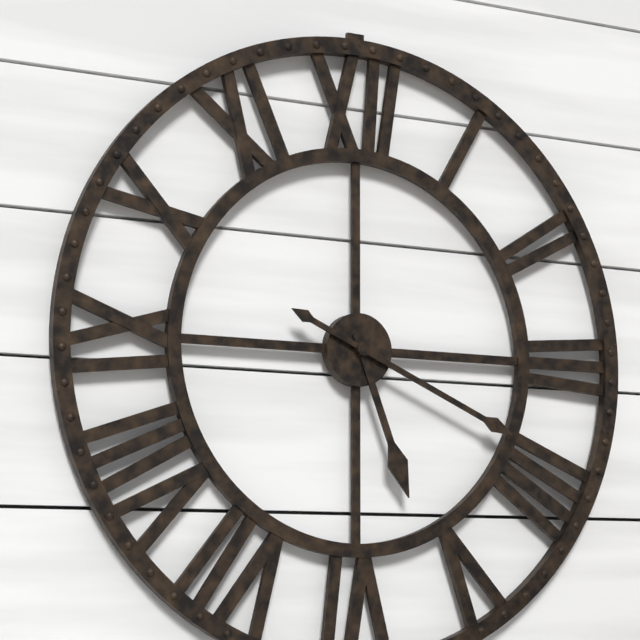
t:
5h19
